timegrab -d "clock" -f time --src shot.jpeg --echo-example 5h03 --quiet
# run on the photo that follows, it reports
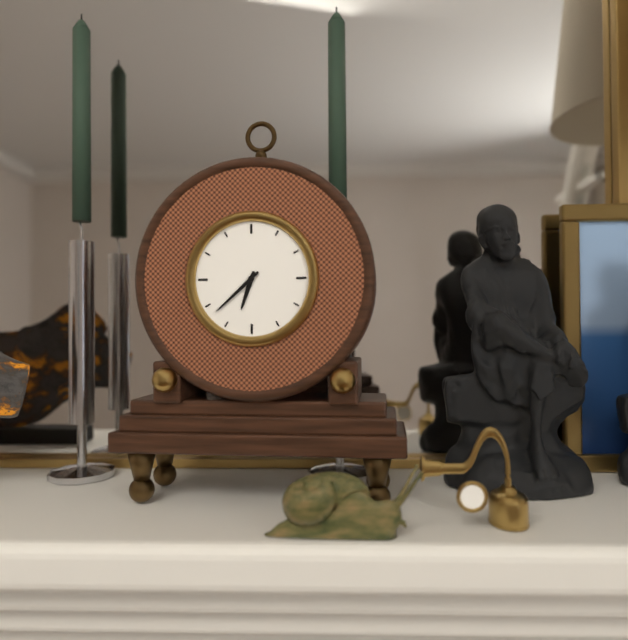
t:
6h38
